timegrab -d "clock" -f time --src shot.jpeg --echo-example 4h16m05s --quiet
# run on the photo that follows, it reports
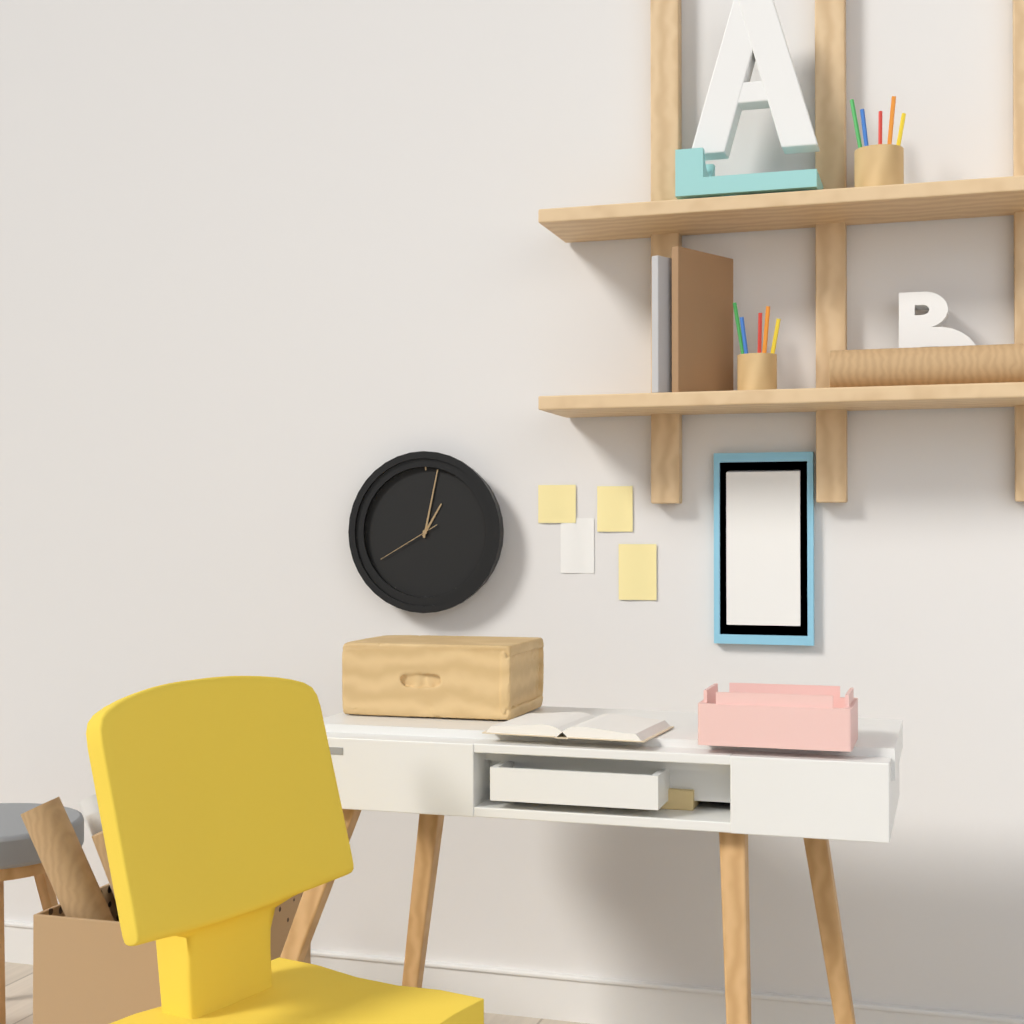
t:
1h02m40s
